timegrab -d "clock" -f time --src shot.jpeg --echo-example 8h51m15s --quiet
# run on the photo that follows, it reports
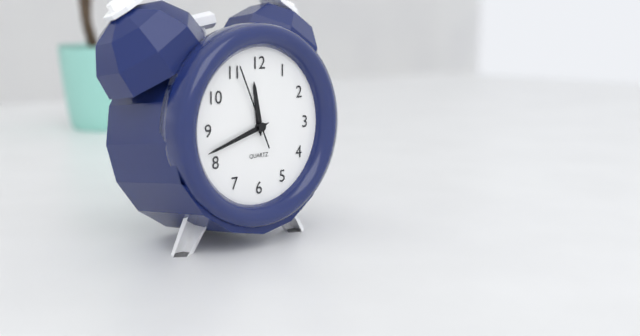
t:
11h42m56s
